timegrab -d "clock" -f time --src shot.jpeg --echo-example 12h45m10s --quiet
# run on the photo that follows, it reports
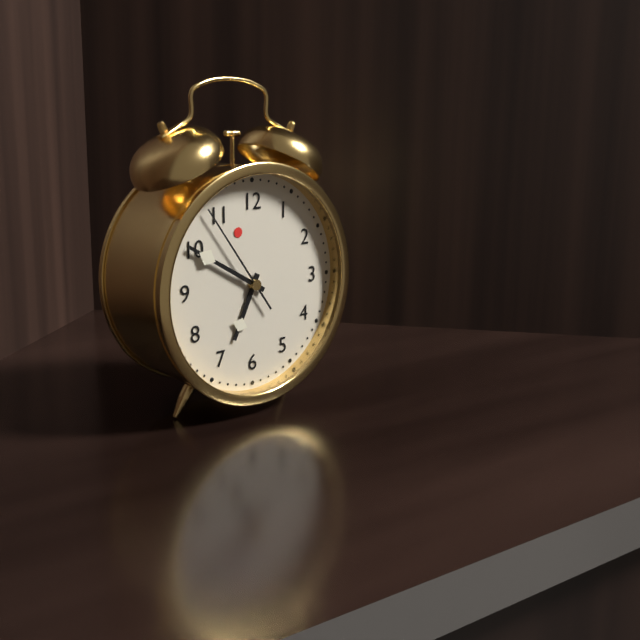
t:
6h50m54s
